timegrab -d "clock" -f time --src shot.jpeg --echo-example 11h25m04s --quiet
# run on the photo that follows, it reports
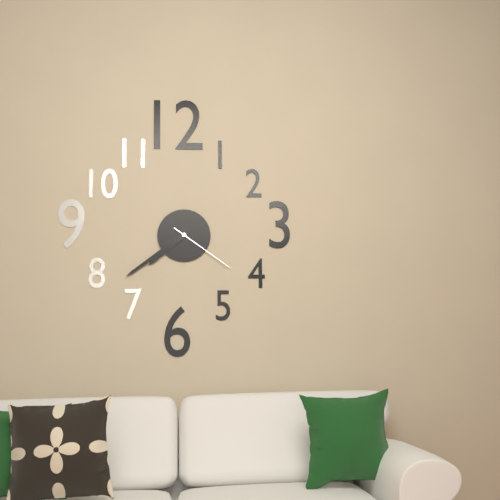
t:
7h39m21s
